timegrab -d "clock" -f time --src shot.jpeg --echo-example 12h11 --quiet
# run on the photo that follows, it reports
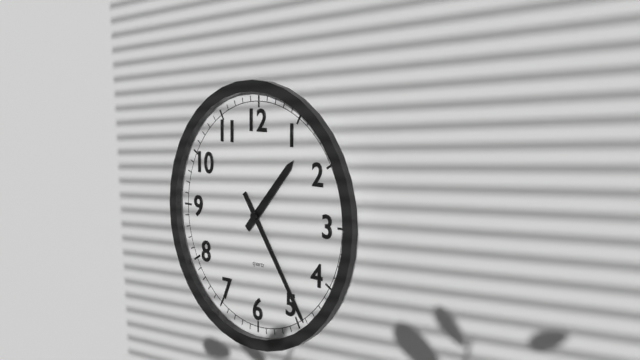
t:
1h24
